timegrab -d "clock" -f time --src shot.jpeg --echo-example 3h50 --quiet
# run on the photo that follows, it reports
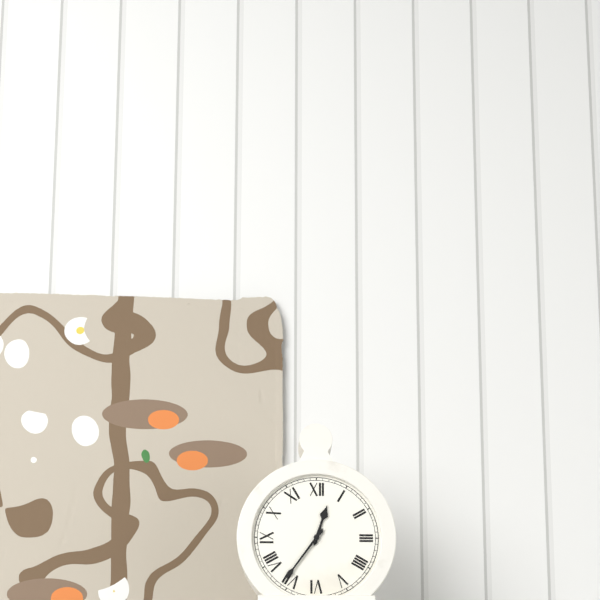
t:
12h36
